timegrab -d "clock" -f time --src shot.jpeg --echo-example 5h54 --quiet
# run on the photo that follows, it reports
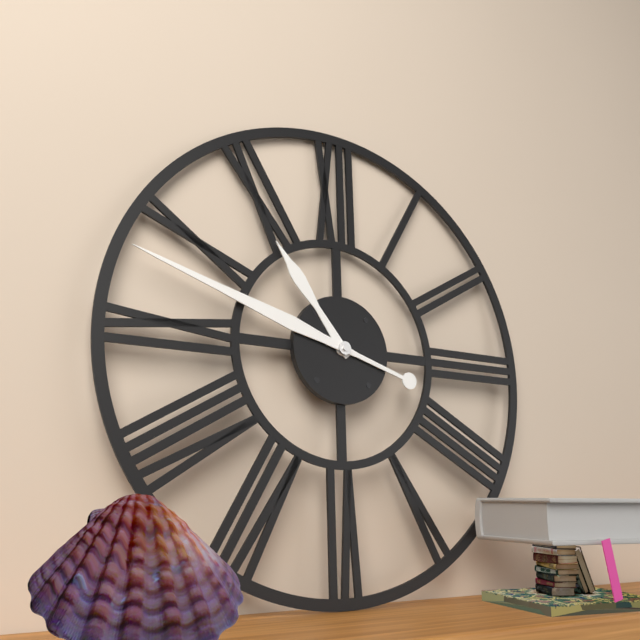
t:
10h48
